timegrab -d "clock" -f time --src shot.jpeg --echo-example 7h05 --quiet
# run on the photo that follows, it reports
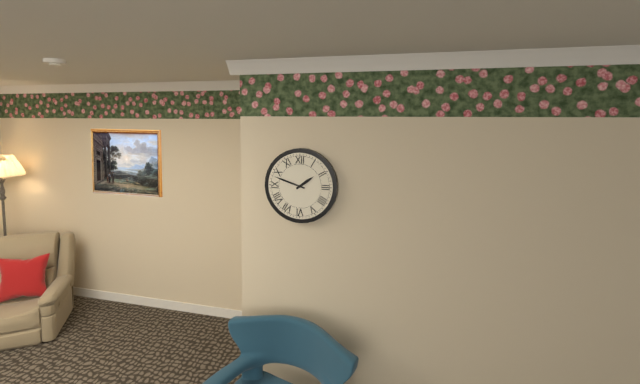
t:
1h48
